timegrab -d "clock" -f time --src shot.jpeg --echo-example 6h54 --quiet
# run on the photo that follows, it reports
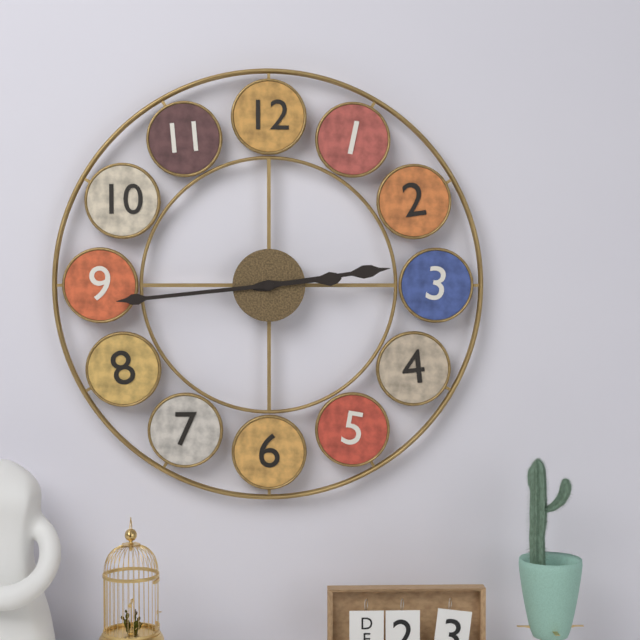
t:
2h44
